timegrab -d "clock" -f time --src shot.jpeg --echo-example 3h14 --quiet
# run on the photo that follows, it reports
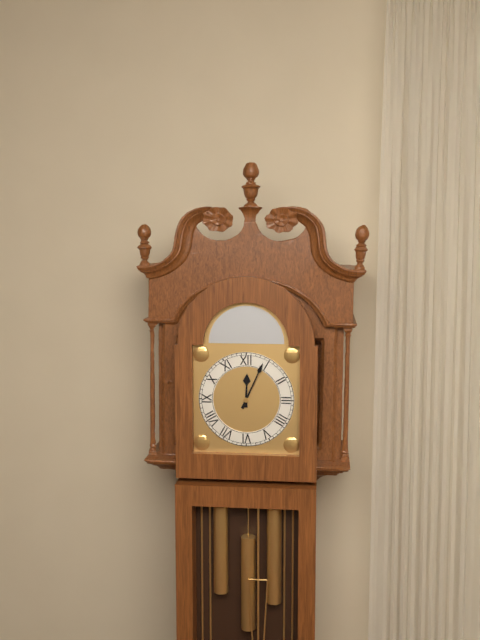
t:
12h04
